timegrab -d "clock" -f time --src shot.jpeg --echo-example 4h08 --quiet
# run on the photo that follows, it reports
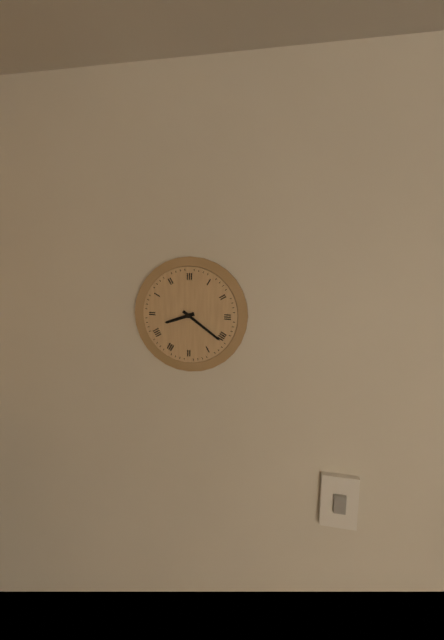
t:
8h21
